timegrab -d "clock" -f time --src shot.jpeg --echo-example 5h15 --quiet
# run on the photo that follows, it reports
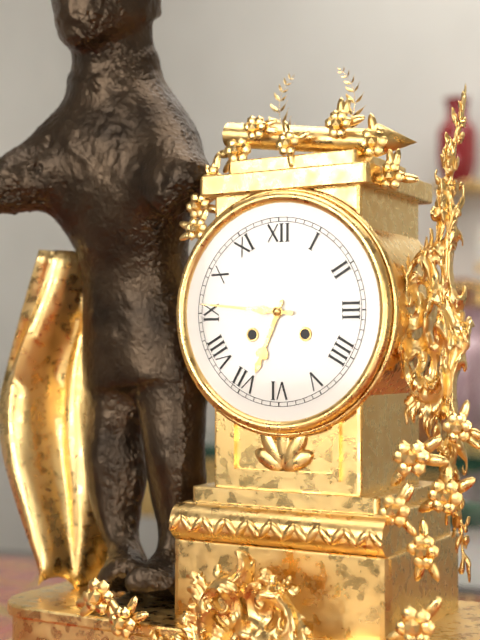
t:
6h46
